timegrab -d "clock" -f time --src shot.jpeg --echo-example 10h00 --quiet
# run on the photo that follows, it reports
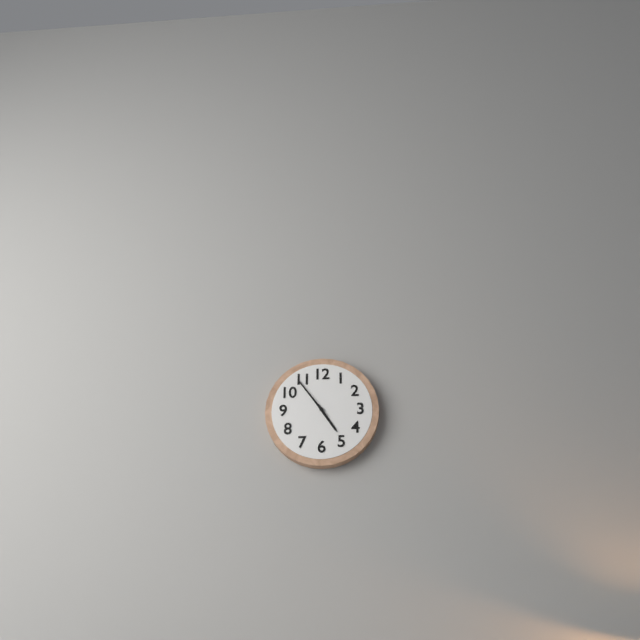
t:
4h54
